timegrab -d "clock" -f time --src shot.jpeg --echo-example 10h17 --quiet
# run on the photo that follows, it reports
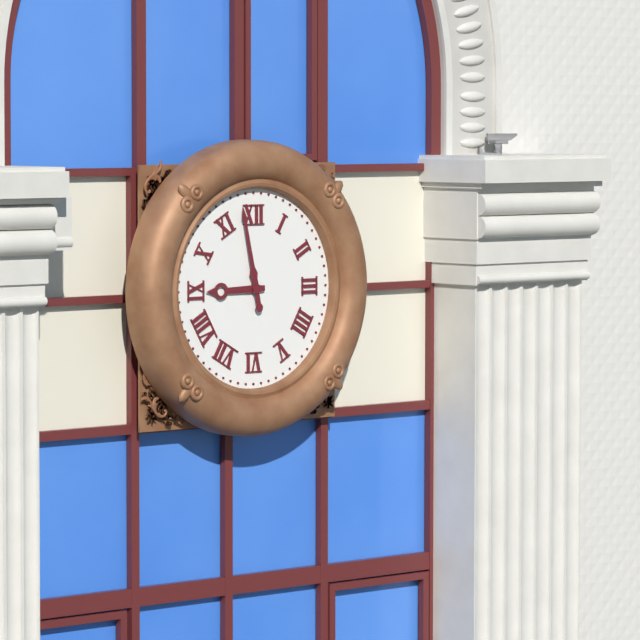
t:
8h58
